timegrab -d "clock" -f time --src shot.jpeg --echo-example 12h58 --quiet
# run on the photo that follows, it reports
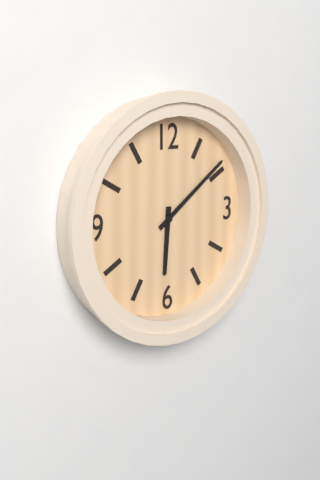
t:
6h09
